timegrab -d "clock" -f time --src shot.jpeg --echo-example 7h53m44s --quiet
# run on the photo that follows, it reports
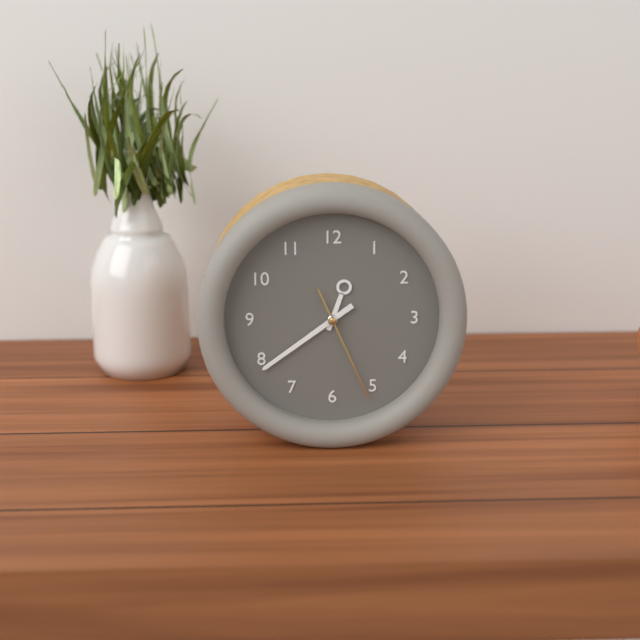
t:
12h39m26s
